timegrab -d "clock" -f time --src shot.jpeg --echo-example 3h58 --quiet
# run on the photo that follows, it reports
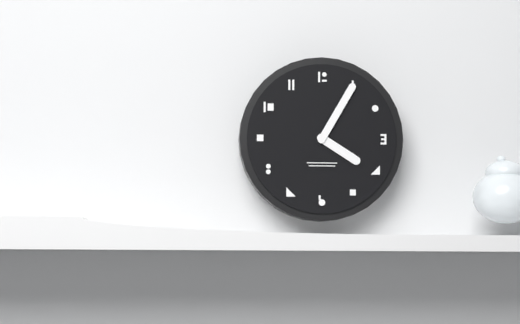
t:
4h05
